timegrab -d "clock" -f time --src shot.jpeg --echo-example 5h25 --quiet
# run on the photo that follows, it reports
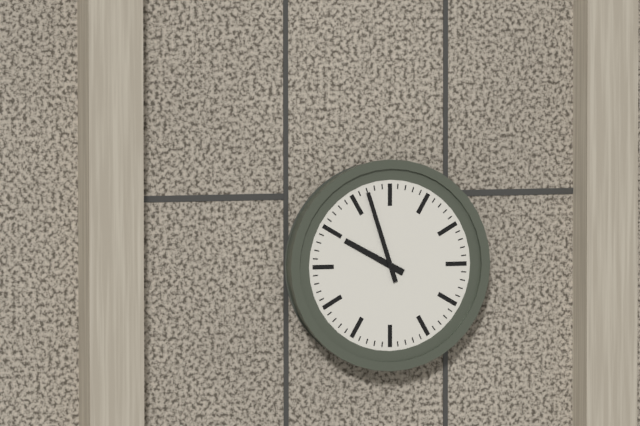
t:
9h57
